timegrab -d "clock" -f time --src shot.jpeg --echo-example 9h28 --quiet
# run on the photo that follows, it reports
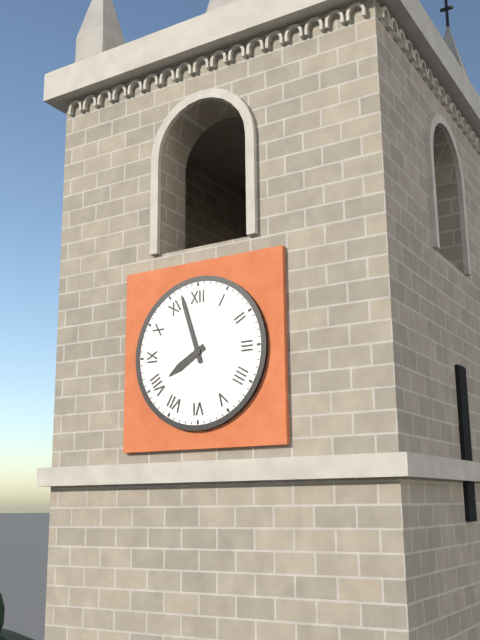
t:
7h57
